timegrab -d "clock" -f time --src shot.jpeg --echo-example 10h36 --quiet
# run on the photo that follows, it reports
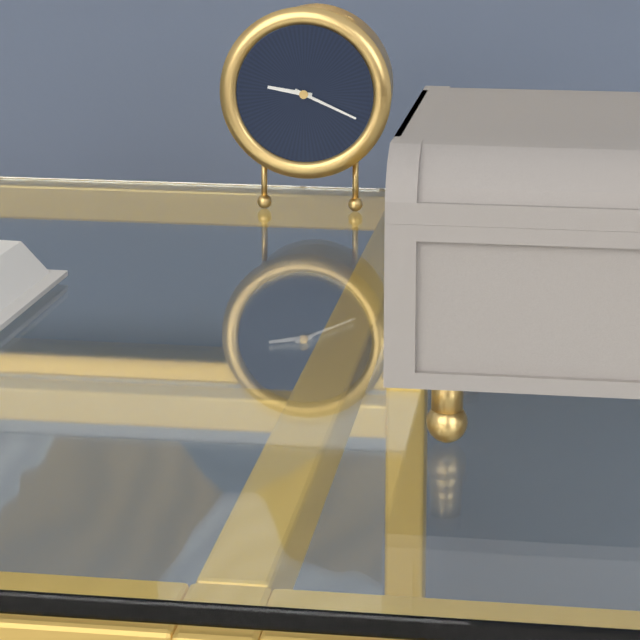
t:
9h19
